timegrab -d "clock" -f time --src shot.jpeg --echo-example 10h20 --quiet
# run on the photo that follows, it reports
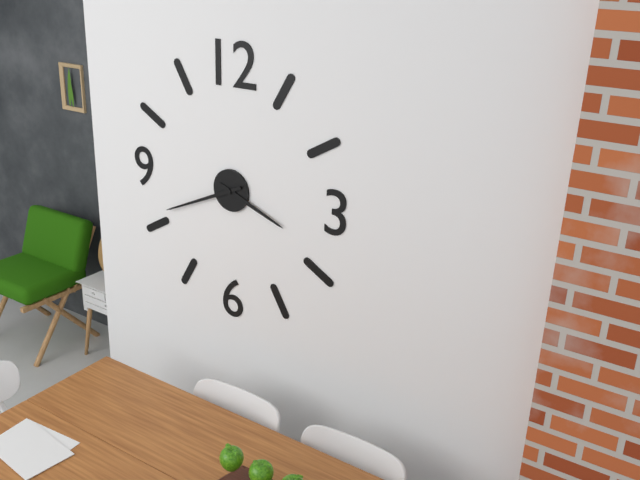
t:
3h41
